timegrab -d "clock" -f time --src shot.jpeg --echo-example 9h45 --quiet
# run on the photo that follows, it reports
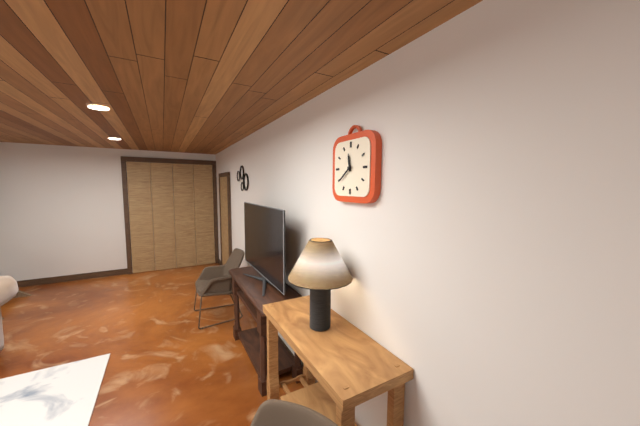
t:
11h39
